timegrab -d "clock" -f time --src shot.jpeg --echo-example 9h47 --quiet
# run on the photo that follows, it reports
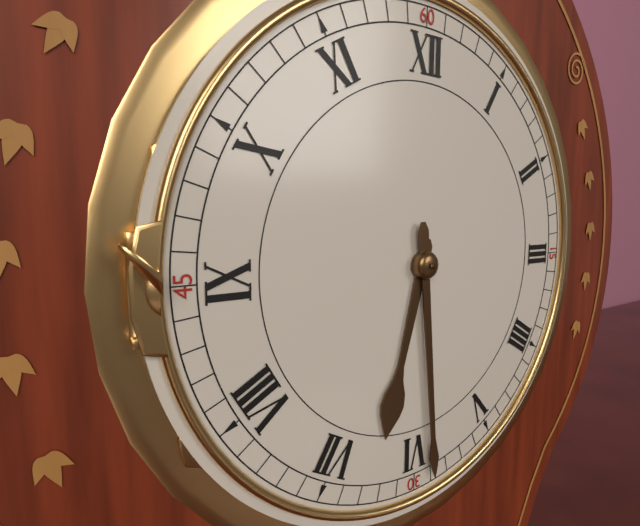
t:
6h29
